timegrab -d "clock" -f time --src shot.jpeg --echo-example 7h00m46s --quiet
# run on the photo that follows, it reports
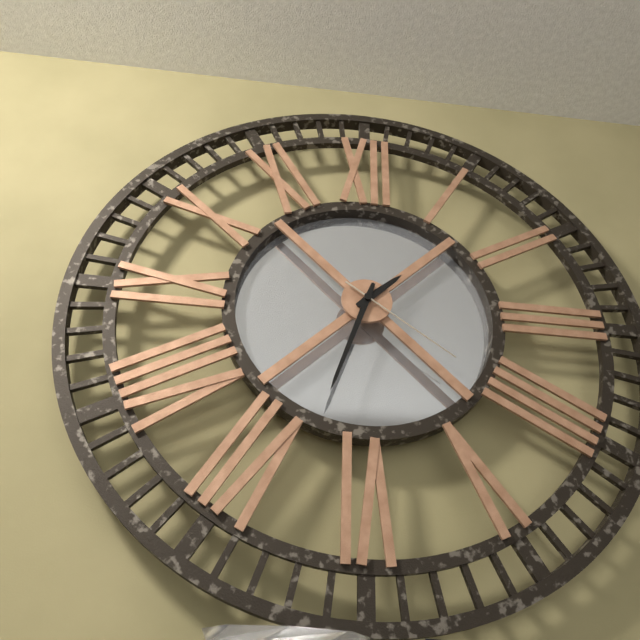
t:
1h33m21s
